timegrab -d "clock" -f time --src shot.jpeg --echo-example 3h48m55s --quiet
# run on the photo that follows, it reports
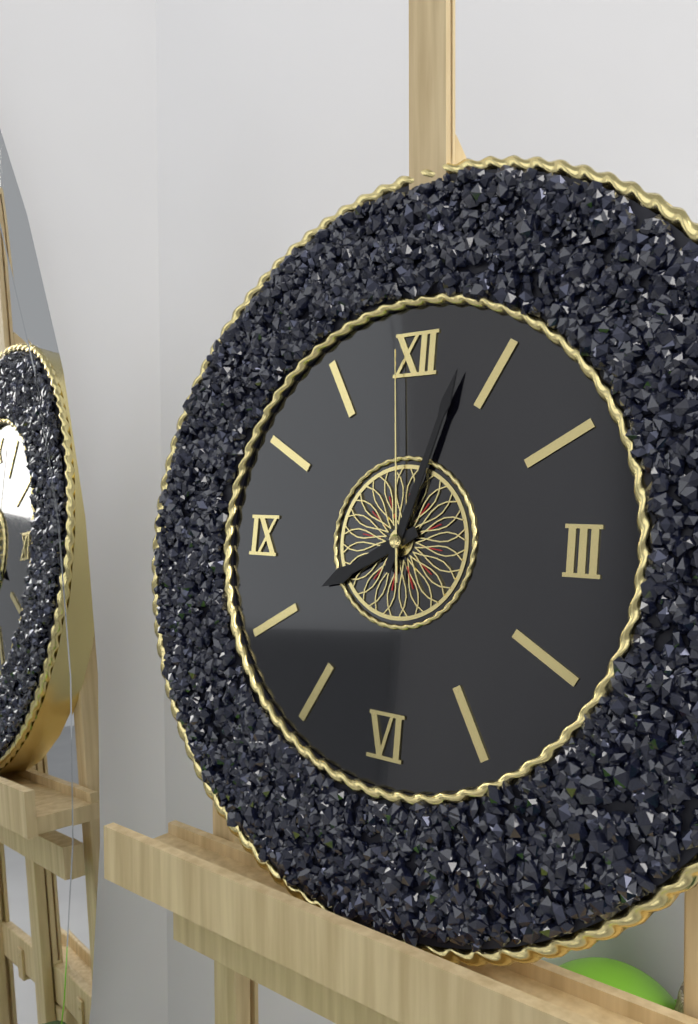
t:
8h03m59s
